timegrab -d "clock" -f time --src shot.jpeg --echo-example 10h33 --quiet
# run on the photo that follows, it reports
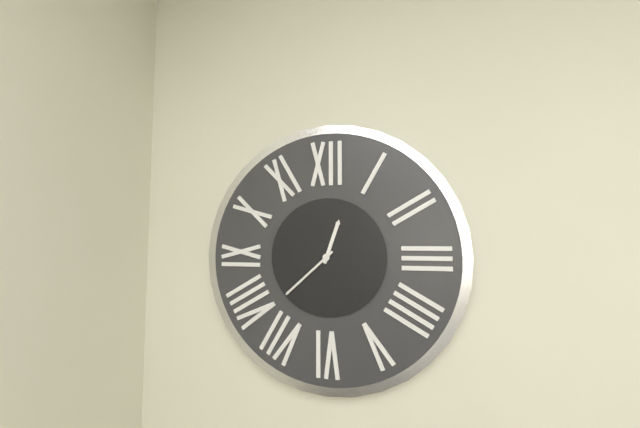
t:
12h38
